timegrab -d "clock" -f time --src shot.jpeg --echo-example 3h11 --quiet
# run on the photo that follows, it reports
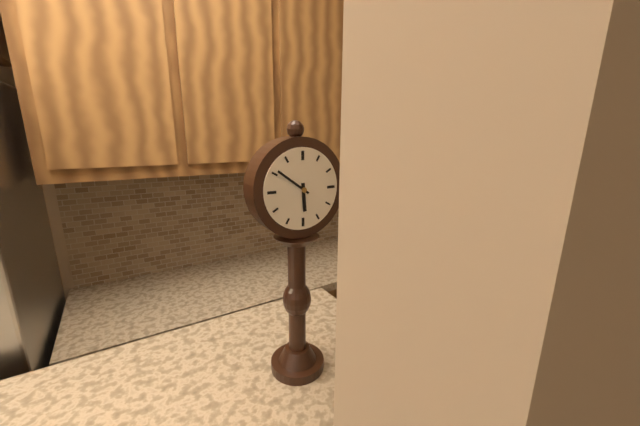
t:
5h51
